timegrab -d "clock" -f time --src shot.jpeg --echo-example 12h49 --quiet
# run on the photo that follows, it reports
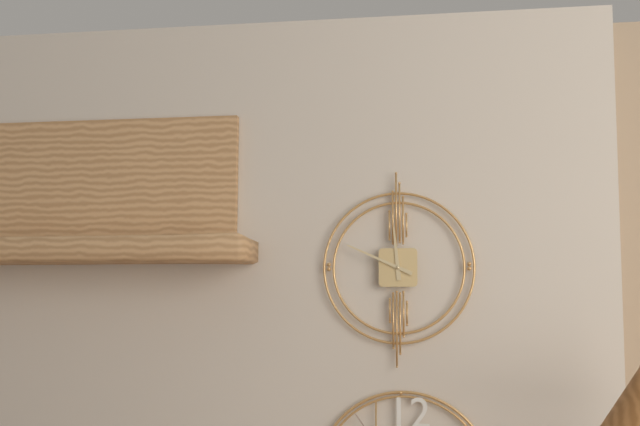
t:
11h49
